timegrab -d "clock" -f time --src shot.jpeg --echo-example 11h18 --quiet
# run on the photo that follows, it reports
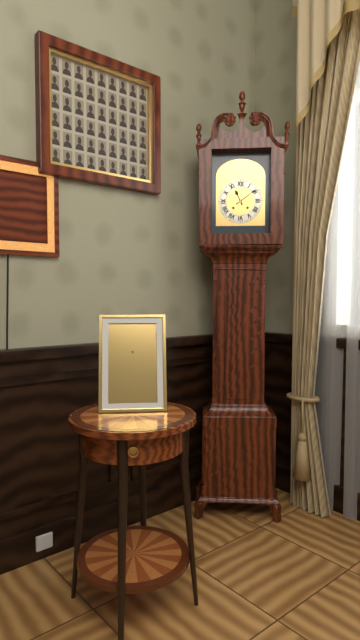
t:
11h09
